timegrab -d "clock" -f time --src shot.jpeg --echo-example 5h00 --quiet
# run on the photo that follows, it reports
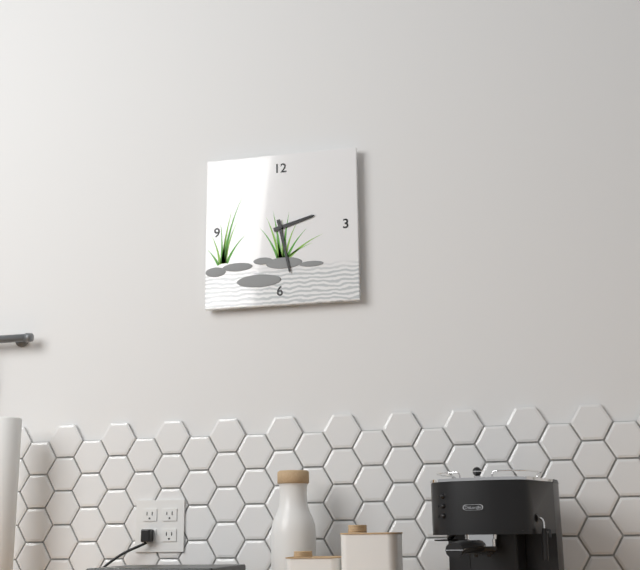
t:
2h28
